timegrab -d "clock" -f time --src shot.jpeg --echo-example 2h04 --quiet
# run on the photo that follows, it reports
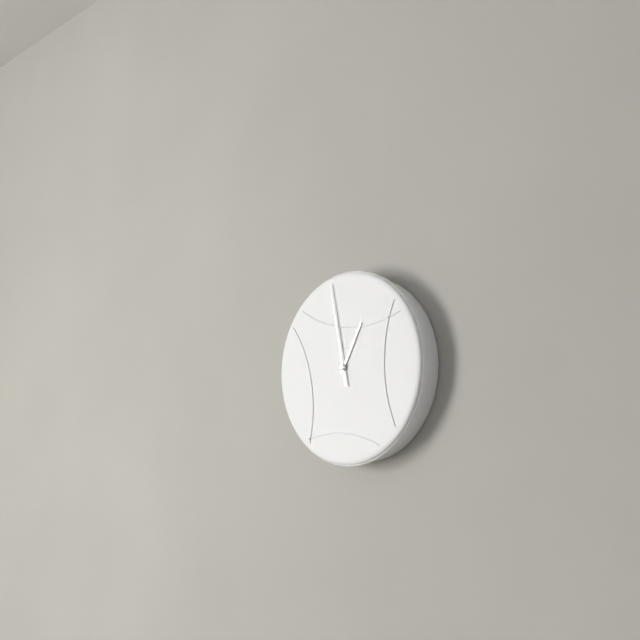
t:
12h58
